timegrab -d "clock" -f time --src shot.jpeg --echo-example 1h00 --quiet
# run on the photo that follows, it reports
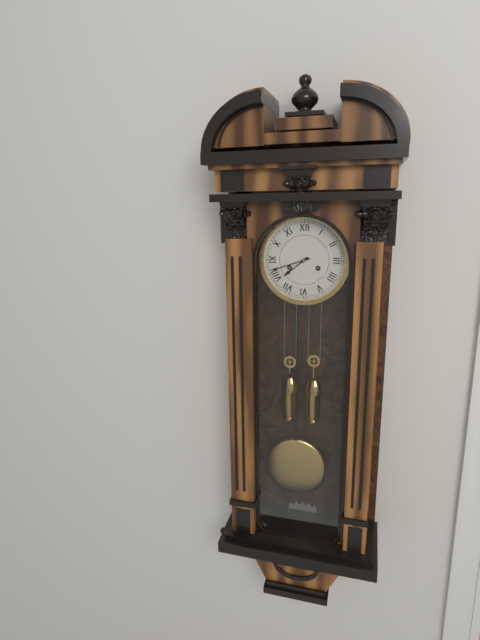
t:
7h42
